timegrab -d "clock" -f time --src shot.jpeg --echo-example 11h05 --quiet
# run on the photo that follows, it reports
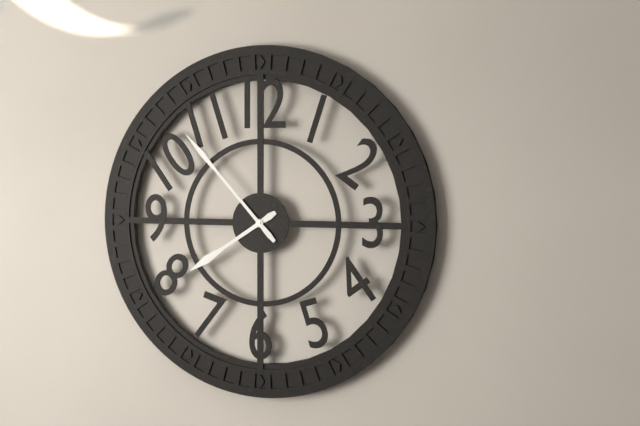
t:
7h53
